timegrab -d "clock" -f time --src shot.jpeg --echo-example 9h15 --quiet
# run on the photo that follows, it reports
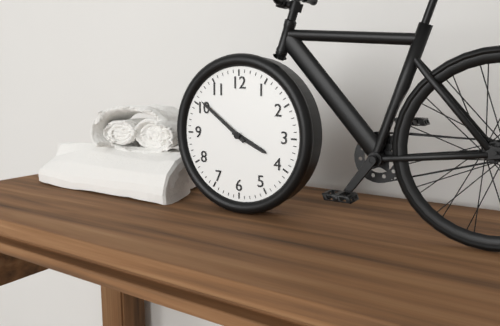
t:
3h51
